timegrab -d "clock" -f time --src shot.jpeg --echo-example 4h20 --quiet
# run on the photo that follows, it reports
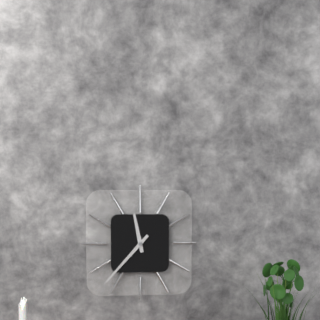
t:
11h37
